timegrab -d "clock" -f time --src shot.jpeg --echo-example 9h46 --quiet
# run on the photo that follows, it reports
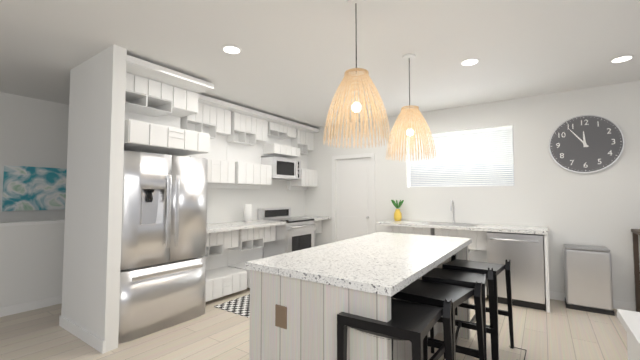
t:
11h54
